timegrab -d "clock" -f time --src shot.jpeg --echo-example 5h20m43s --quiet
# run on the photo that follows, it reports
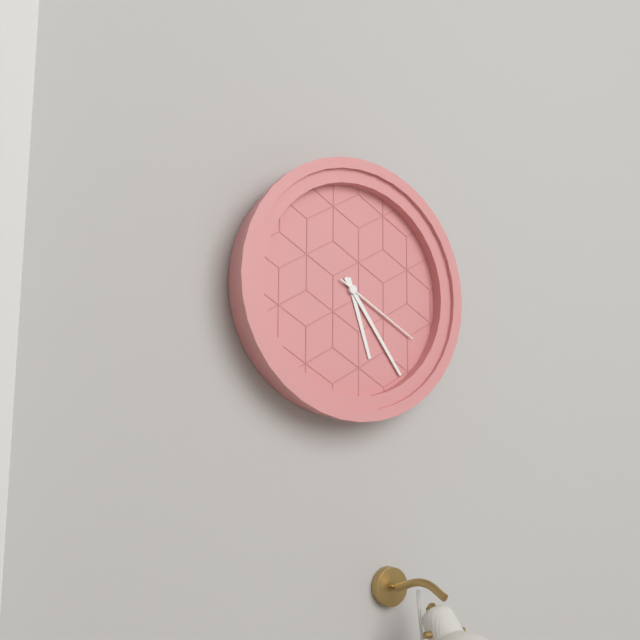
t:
5h24m20s
